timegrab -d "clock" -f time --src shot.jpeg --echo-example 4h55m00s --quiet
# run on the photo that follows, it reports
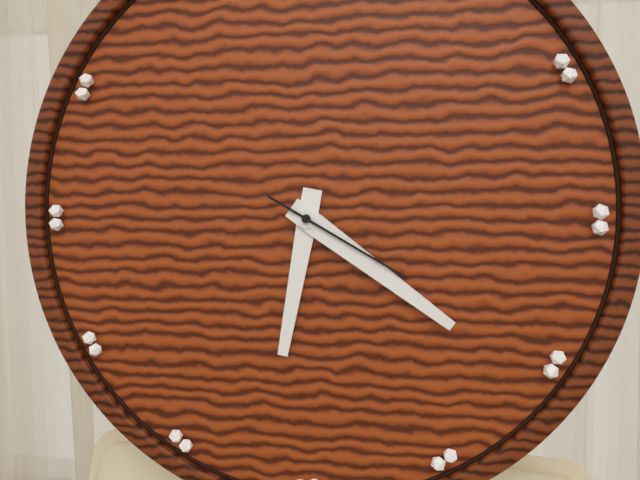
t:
6h21m20s
